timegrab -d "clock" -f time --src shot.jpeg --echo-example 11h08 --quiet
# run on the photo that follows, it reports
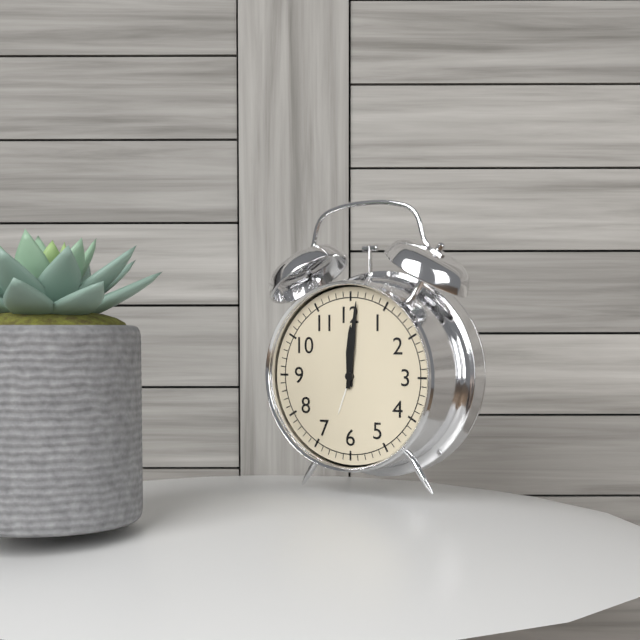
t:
12h01
